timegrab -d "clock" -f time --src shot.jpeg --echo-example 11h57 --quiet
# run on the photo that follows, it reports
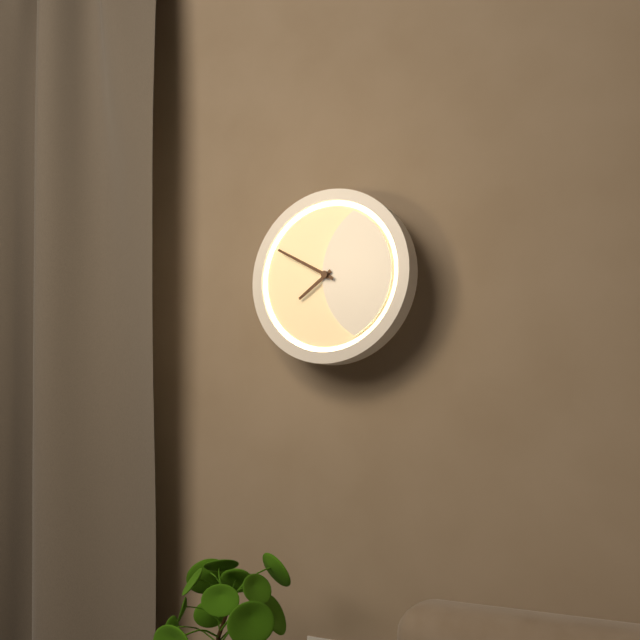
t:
7h50
